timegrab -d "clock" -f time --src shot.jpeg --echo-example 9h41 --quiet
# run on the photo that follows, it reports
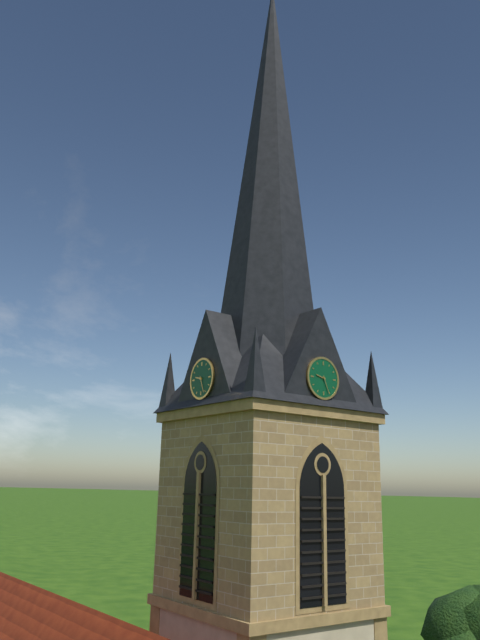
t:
9h26
